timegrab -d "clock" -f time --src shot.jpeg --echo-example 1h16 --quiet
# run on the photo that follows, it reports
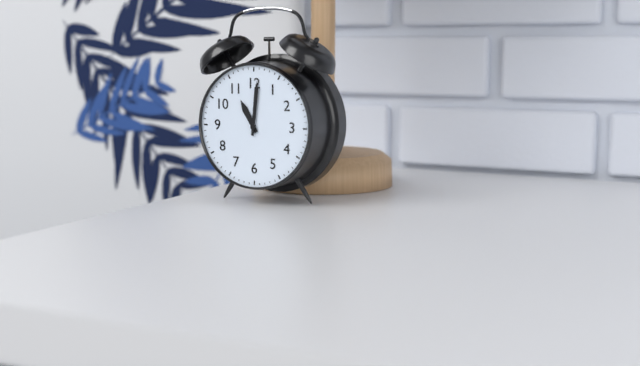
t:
11h01
